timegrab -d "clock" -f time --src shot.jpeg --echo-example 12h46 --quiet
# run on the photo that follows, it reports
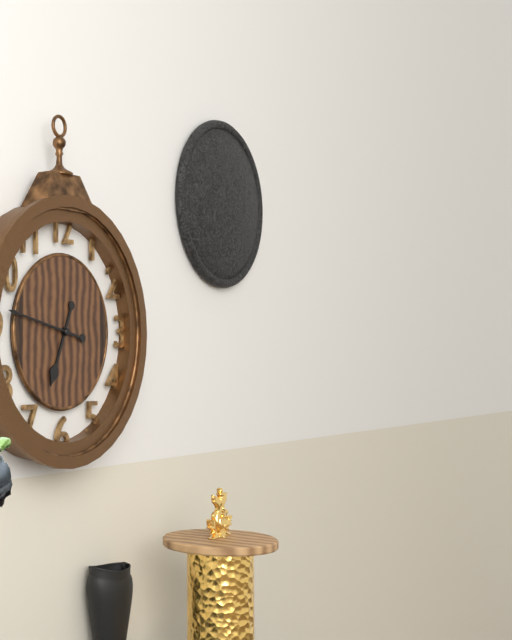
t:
6h47
